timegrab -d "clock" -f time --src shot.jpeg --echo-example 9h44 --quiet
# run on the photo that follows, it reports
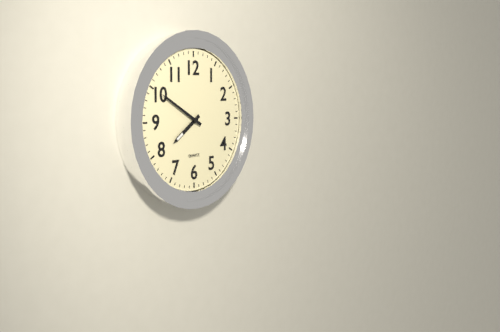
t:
7h50
